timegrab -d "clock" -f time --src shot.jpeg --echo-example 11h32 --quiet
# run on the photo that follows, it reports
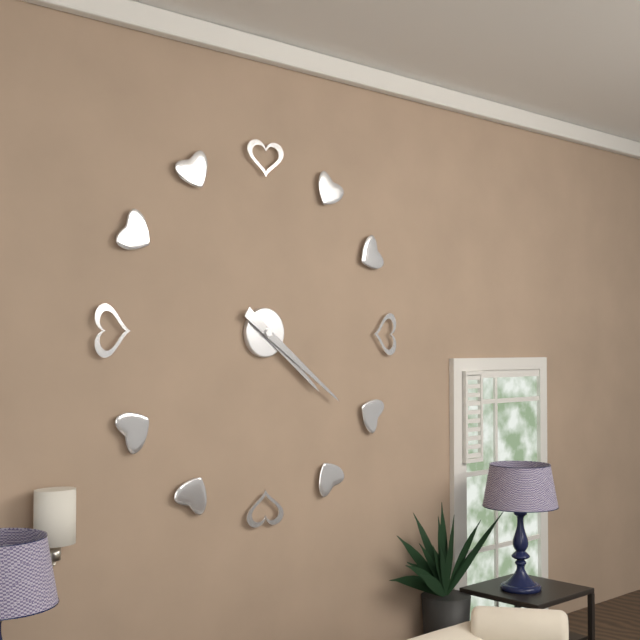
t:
4h21
